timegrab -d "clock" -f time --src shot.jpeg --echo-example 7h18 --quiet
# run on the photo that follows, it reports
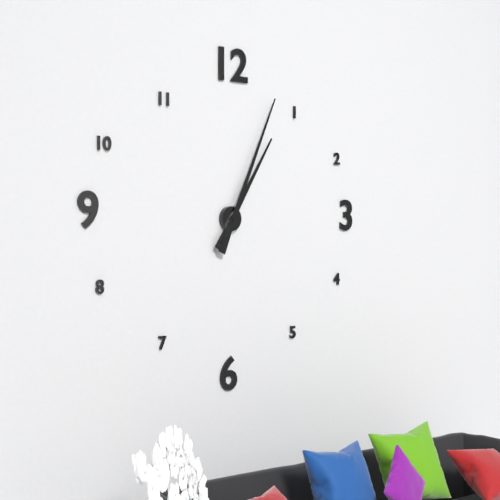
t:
1h04
